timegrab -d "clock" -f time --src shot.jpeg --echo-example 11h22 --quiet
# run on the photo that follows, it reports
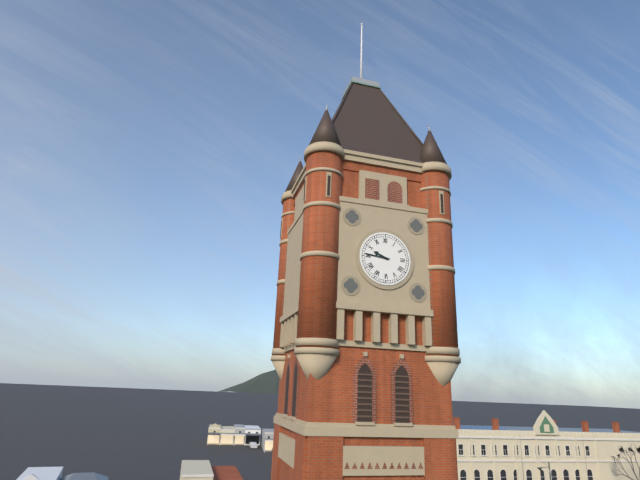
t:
9h46
